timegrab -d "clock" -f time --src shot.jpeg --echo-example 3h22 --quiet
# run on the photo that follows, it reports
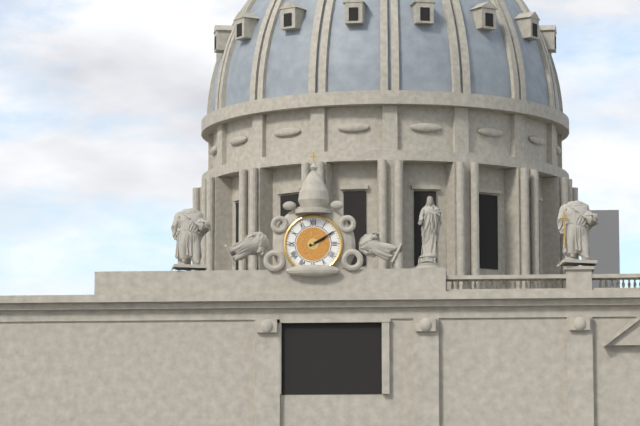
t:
2h10
